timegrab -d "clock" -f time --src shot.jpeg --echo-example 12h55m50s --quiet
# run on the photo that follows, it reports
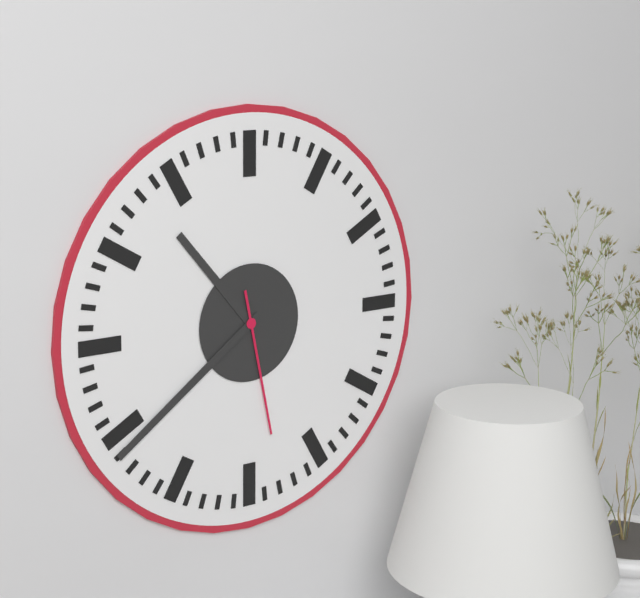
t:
10h39m28s
